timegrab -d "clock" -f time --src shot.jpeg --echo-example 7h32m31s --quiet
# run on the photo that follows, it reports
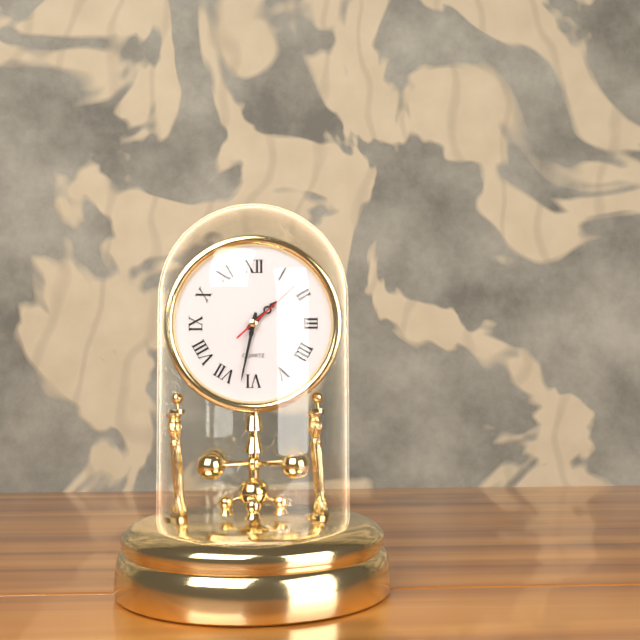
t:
1h32m08s
